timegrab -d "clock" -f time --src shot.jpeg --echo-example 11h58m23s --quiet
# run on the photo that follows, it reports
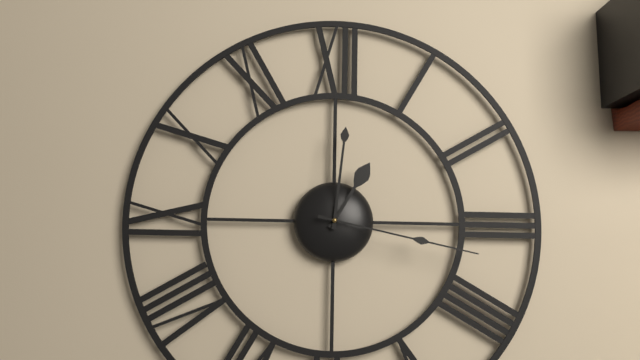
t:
1h01m17s
